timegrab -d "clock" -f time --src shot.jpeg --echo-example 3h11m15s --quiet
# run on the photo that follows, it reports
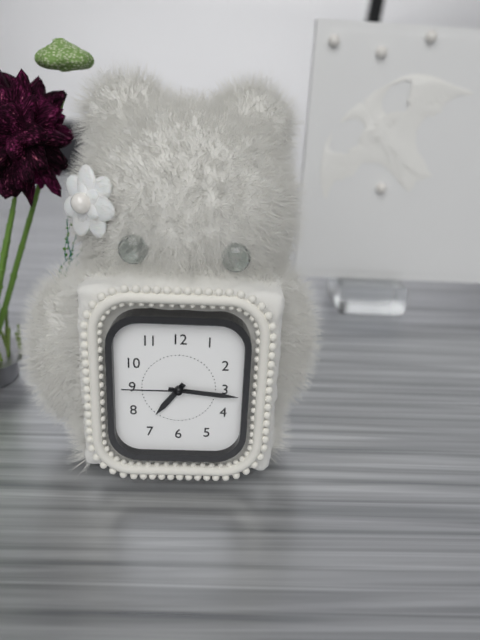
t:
7h16m45s
